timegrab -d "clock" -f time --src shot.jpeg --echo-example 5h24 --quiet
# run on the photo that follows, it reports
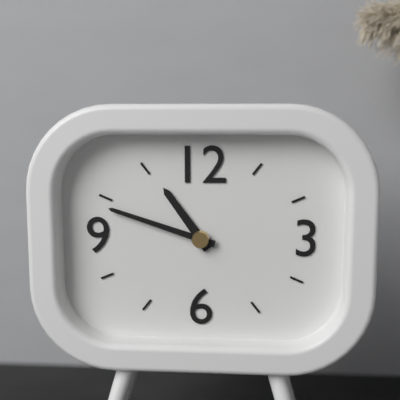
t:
10h48
